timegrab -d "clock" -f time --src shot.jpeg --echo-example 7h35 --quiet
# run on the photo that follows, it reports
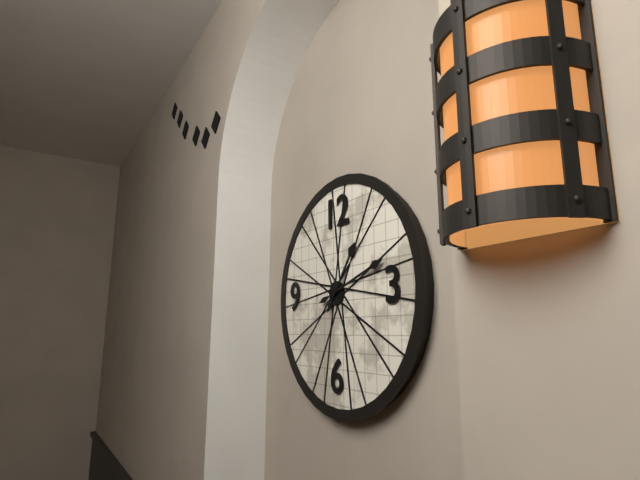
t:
1h12
